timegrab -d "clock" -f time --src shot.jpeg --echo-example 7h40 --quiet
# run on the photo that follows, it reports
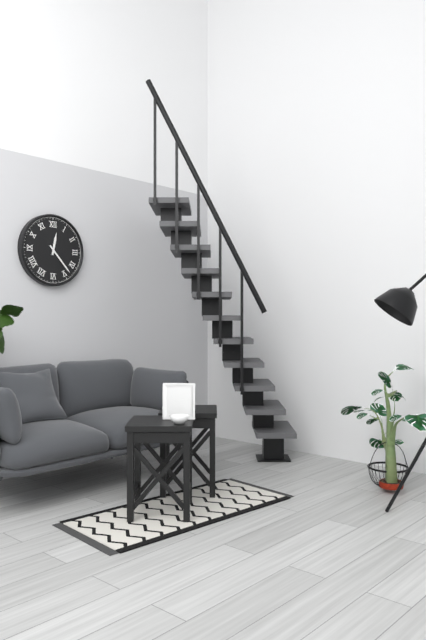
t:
12h23
